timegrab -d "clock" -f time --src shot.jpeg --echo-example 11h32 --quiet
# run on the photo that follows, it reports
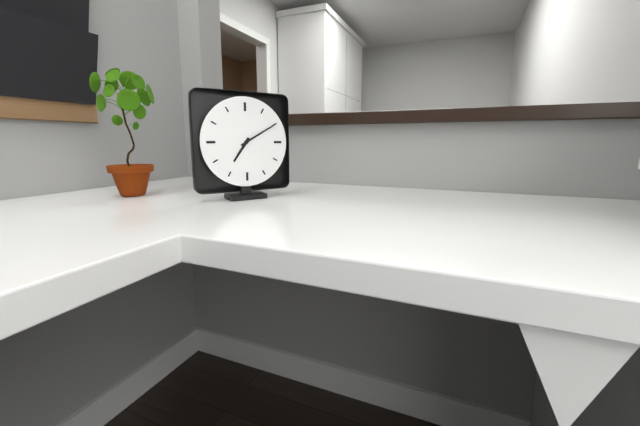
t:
7h10
